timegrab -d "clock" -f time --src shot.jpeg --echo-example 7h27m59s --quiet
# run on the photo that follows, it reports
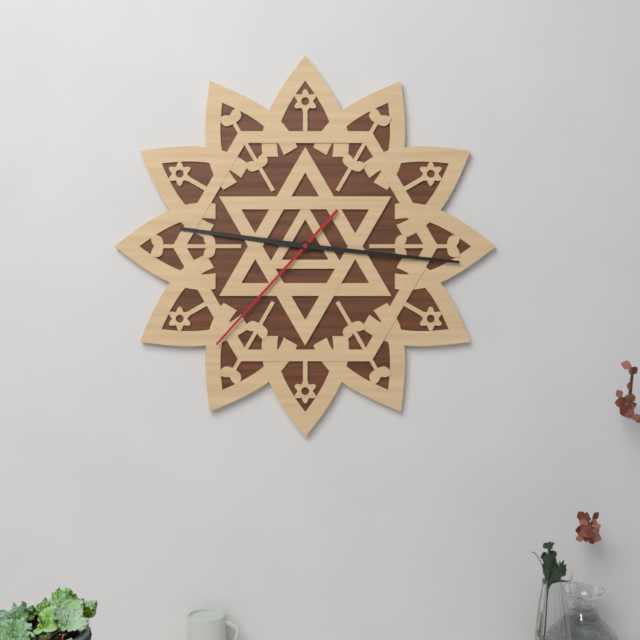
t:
9h16m37s
